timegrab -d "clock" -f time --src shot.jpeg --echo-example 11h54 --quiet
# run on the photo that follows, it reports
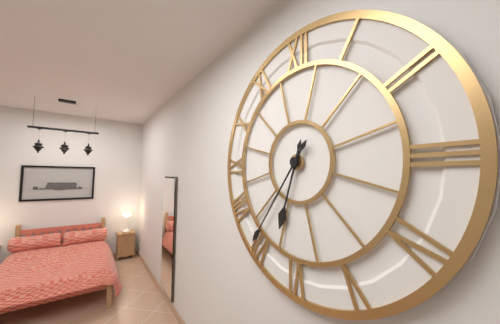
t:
6h36
